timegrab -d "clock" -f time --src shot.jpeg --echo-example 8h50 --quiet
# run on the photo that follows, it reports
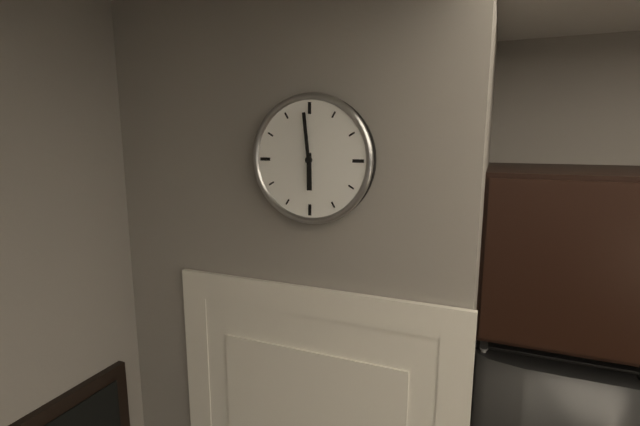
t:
5h59
